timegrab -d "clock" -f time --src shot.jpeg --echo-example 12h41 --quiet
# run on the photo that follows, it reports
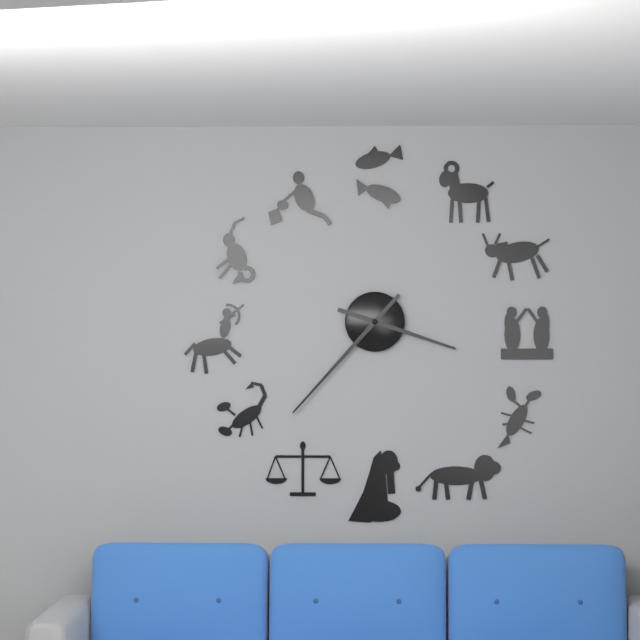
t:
3h37
